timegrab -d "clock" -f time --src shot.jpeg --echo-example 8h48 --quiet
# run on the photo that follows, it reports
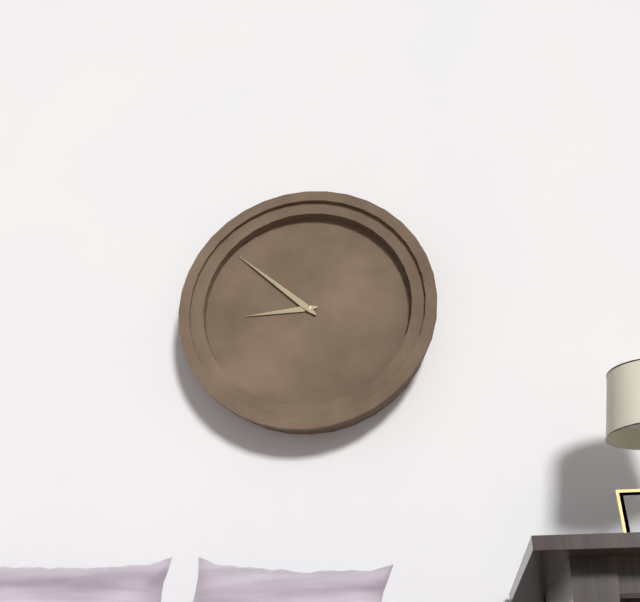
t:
8h52
